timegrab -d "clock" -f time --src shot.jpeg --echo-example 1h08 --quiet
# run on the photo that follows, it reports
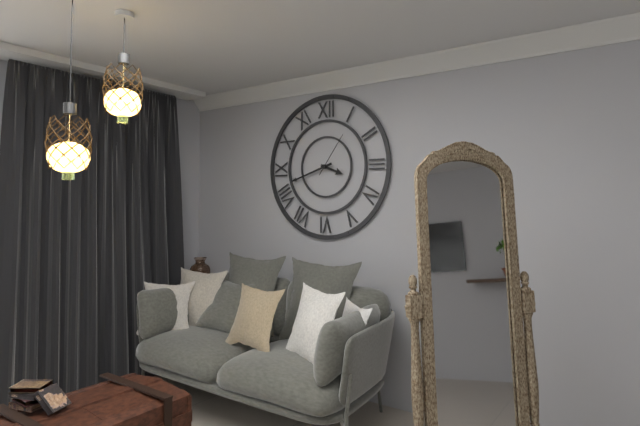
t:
3h42
